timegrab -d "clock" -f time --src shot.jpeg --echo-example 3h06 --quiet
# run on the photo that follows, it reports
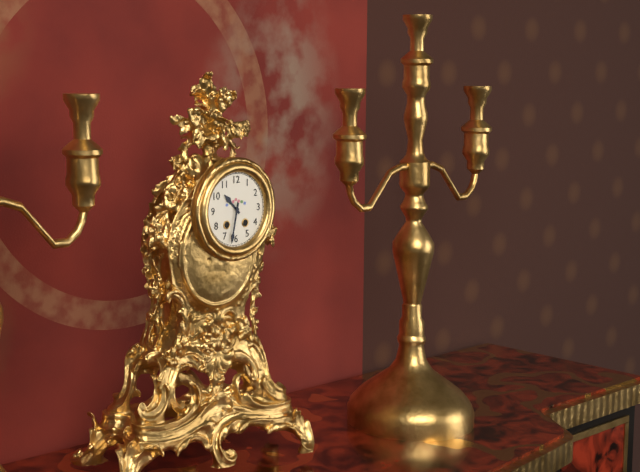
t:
10h32
